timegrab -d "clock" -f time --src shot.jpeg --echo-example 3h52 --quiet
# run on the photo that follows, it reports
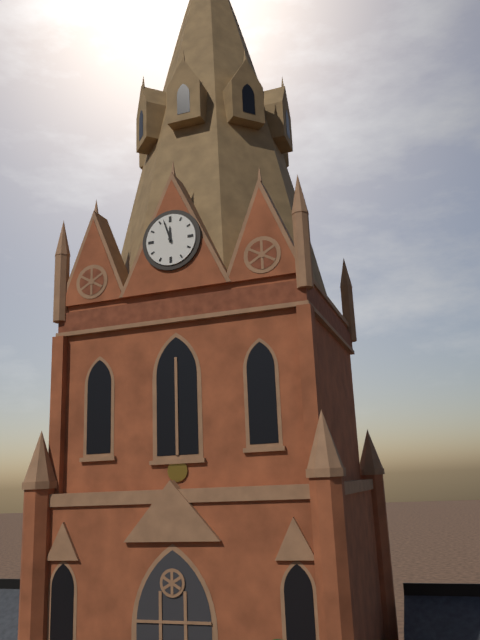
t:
11h57
